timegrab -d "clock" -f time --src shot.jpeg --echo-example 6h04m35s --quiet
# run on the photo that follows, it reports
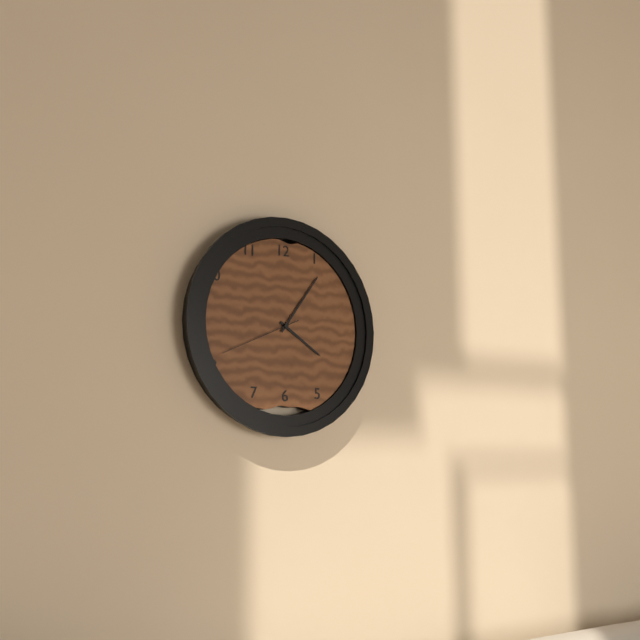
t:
4h06m41s
